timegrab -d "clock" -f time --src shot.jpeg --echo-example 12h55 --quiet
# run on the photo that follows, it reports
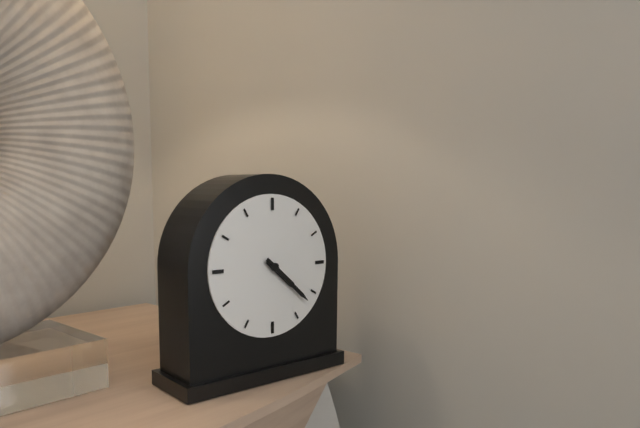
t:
4h22
